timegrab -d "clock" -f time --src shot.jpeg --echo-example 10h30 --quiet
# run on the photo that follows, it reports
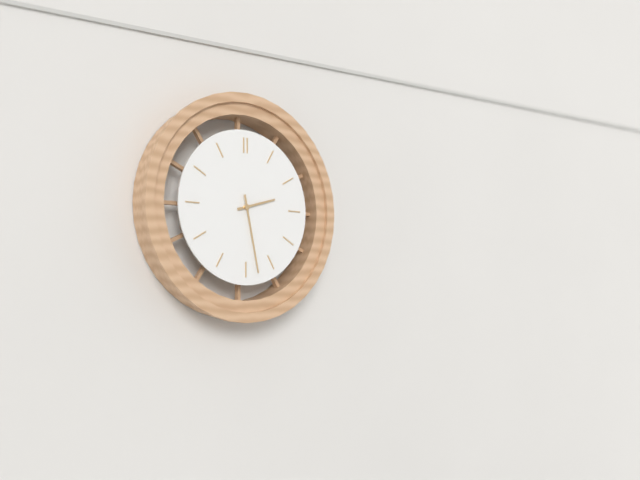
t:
2h28
